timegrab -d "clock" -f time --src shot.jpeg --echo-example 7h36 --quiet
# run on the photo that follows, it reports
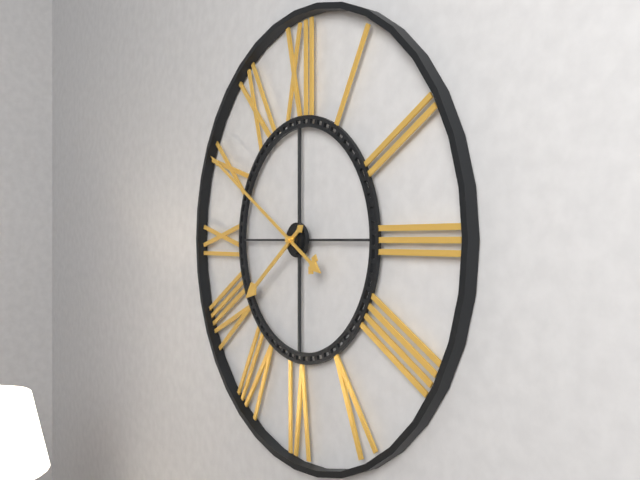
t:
7h50
